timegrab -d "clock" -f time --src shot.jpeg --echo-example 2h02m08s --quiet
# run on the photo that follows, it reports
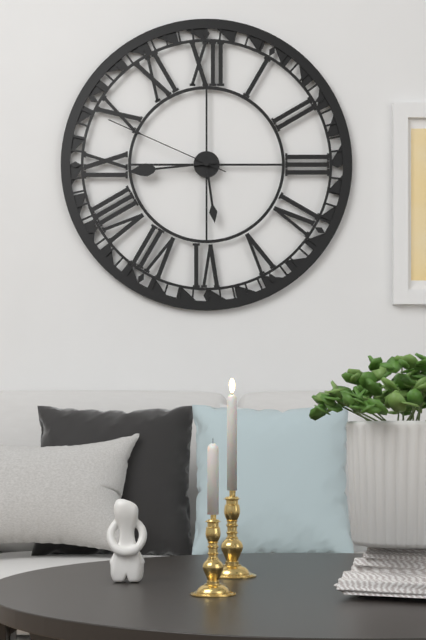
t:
5h44m49s
